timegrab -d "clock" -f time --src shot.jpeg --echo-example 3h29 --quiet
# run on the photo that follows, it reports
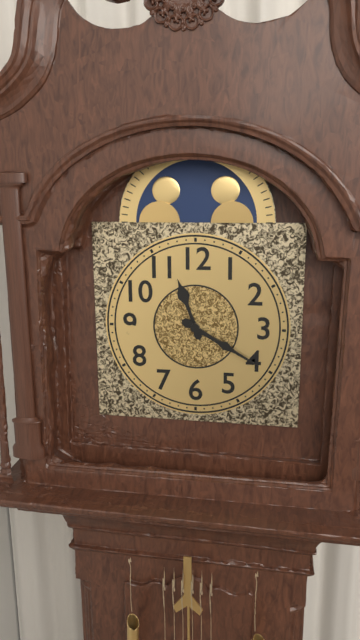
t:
11h20
